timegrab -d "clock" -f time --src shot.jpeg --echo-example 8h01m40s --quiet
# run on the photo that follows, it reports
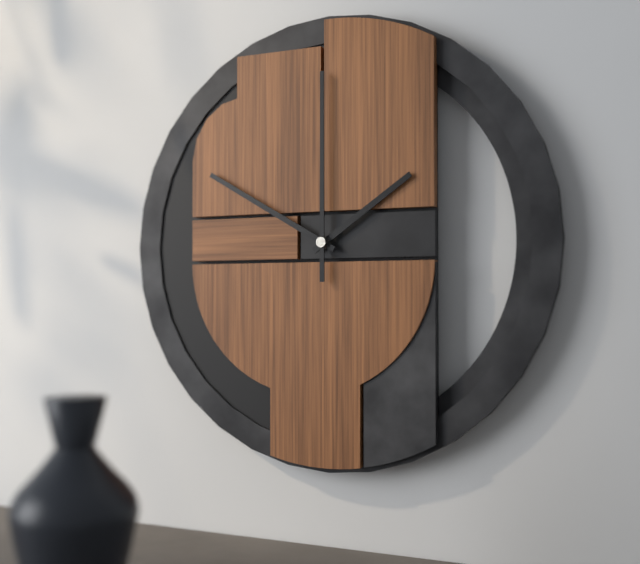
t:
1h50m00s
